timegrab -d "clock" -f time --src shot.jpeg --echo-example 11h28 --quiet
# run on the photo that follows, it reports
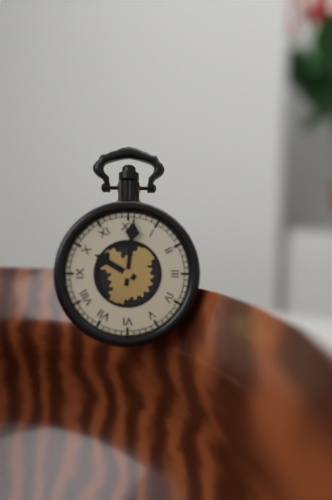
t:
10h01
